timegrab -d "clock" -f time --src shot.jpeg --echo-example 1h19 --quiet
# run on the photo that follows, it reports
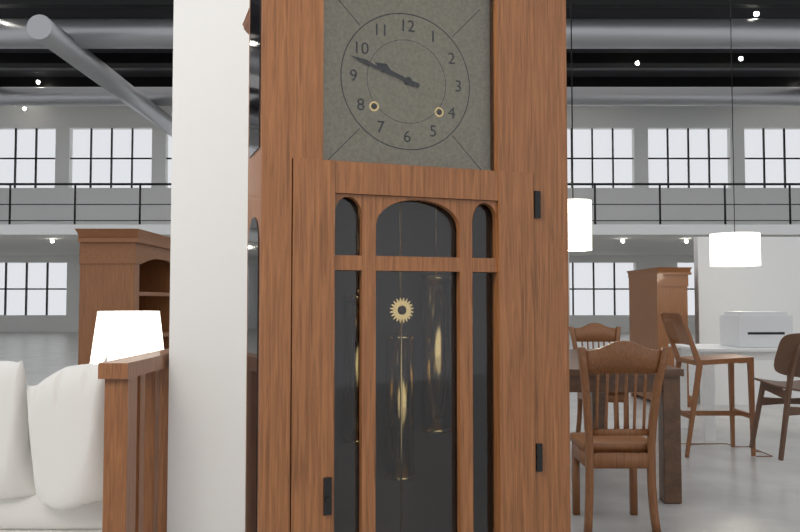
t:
9h48
